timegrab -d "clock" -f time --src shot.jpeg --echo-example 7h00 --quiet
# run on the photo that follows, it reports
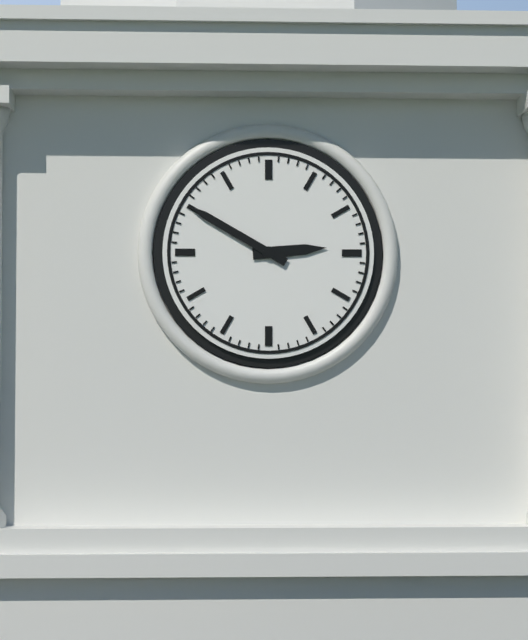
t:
2h50
